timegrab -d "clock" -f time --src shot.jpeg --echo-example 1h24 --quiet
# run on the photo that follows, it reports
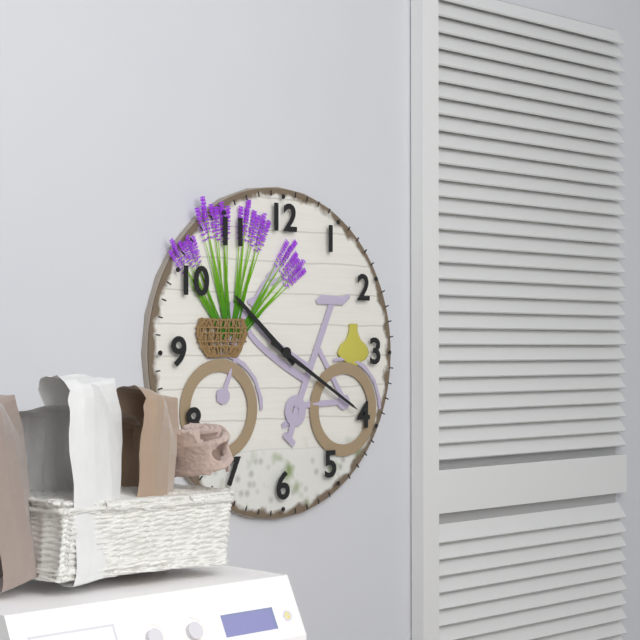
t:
10h20
